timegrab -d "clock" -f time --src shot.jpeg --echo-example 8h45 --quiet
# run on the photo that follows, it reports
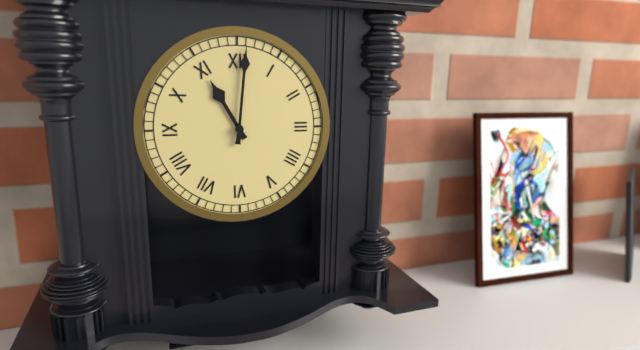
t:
11h01
